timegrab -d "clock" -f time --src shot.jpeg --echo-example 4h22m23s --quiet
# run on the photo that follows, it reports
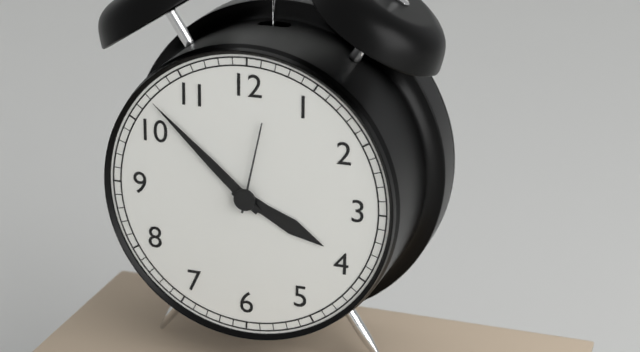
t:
3h52m02s
